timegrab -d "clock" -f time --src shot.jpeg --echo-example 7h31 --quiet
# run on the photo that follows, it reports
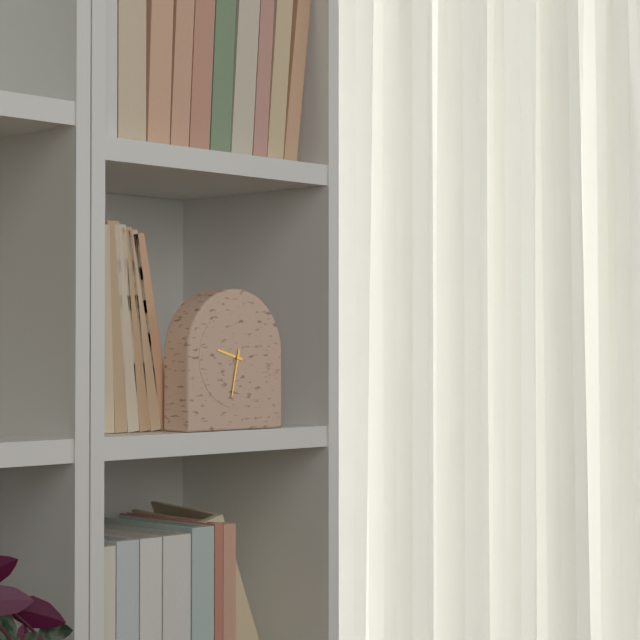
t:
9h32
